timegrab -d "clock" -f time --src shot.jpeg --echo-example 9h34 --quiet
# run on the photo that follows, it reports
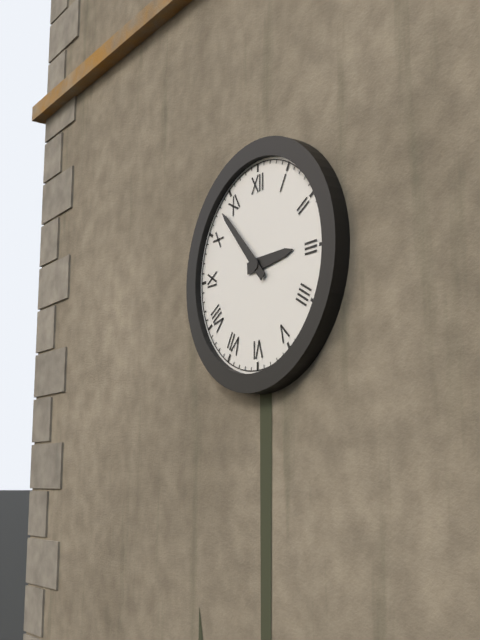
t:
2h53
